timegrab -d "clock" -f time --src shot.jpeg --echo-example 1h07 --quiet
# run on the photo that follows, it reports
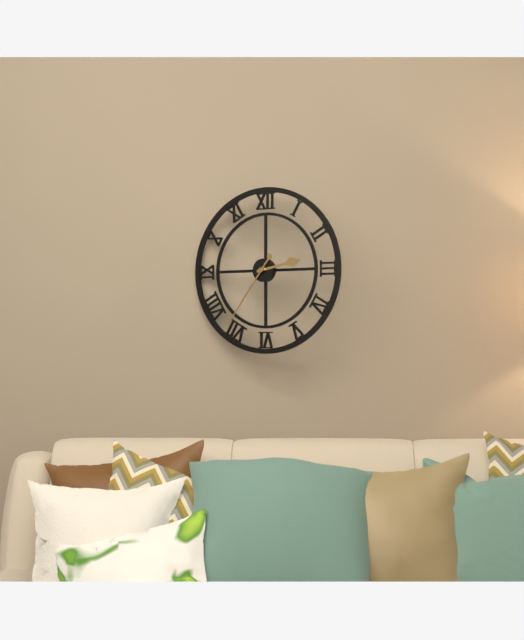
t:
2h36
